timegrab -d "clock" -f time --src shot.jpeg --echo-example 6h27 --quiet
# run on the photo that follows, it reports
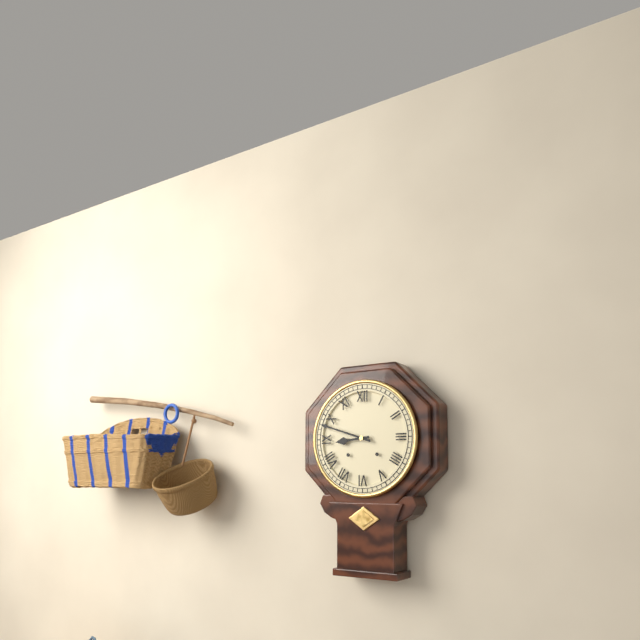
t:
8h48
